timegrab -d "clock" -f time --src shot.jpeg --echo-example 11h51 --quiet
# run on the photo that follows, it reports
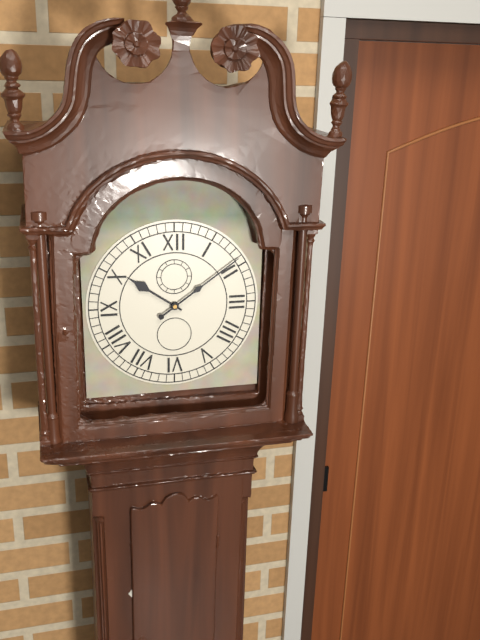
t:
10h09
